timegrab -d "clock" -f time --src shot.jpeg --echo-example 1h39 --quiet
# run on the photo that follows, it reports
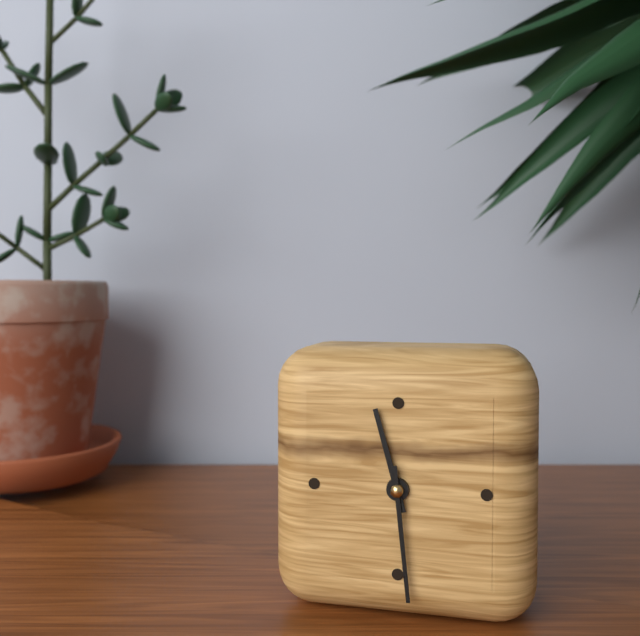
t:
11h29
